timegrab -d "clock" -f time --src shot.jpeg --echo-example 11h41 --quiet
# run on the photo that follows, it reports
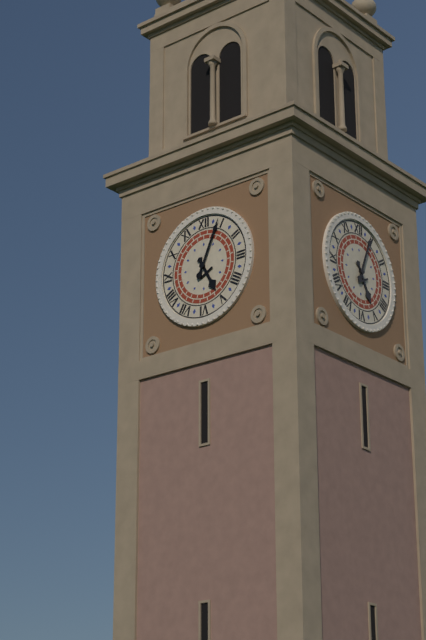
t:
5h04
